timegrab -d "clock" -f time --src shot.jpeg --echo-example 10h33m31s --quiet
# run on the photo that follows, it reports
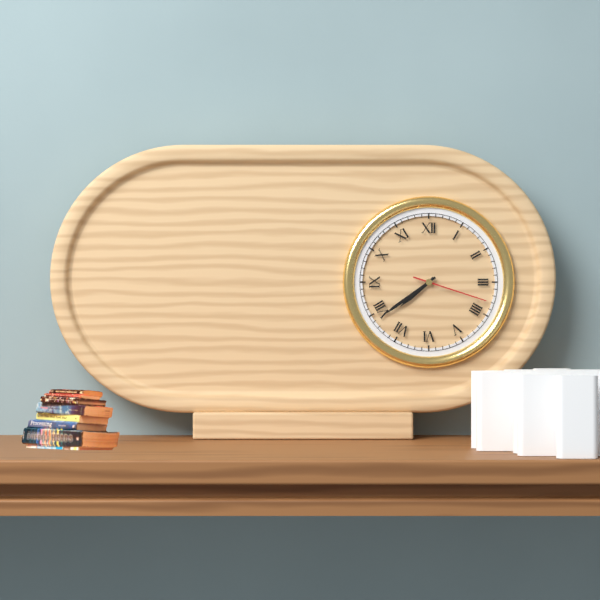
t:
7h39m18s
